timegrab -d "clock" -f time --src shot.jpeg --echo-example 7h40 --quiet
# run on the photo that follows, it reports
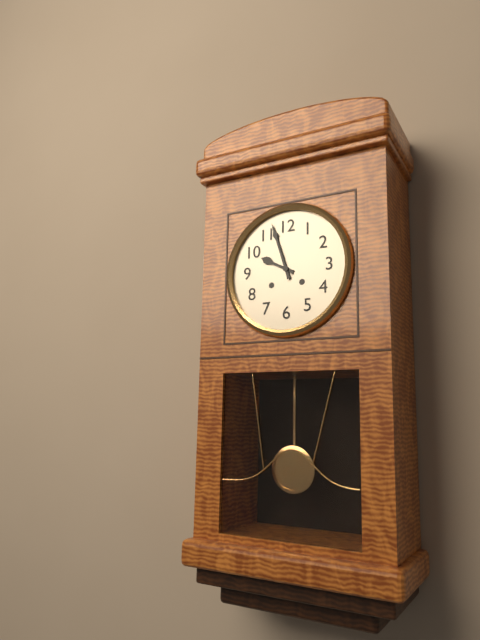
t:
9h57
